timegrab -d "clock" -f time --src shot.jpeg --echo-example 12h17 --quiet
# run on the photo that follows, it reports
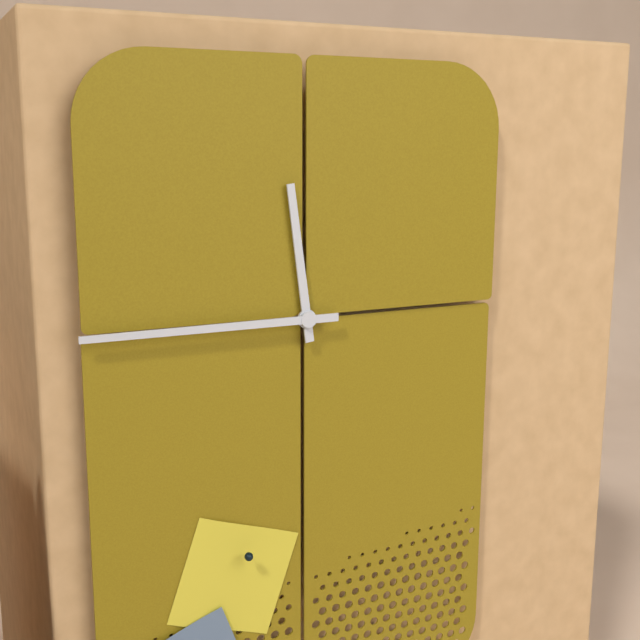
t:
11h45
